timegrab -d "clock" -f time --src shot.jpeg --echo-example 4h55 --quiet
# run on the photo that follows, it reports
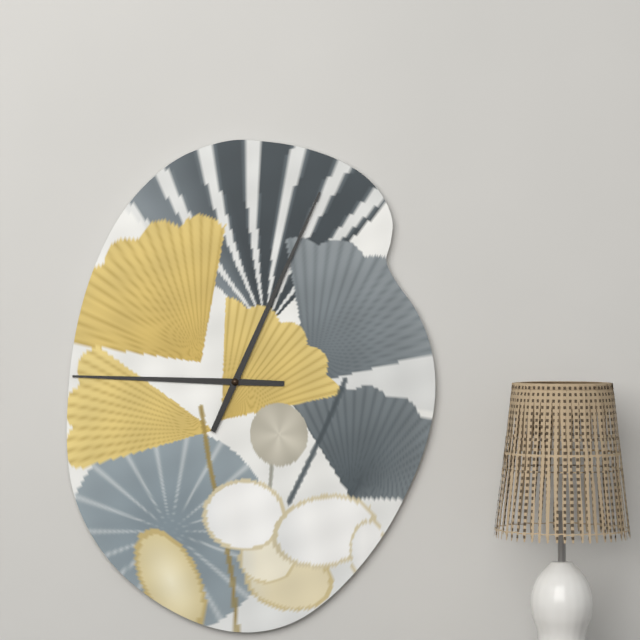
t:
9h04
